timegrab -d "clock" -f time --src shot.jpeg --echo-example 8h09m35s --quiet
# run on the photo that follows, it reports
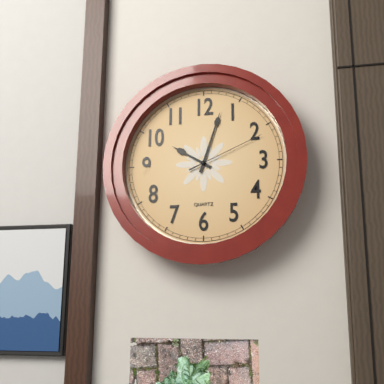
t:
10h03m11s
